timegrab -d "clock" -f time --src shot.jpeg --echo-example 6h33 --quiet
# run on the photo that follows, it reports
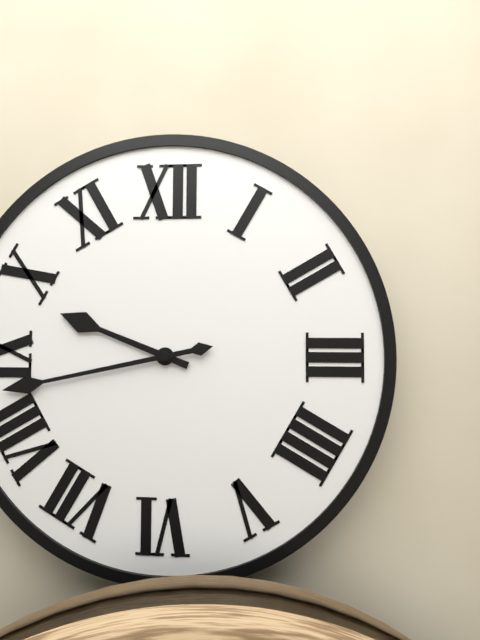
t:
9h43
